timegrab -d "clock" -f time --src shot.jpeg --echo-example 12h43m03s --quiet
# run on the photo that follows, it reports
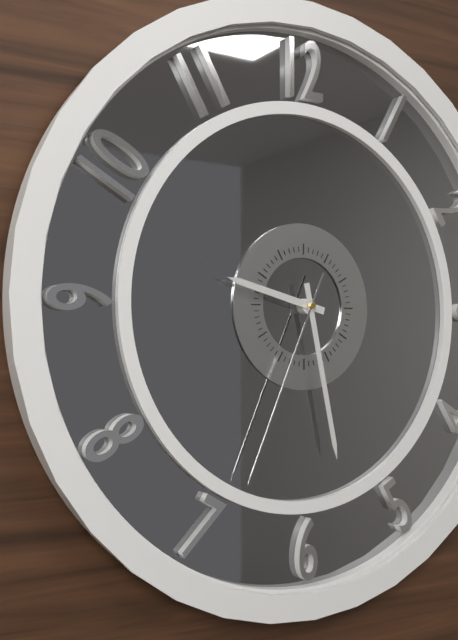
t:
9h28m34s
